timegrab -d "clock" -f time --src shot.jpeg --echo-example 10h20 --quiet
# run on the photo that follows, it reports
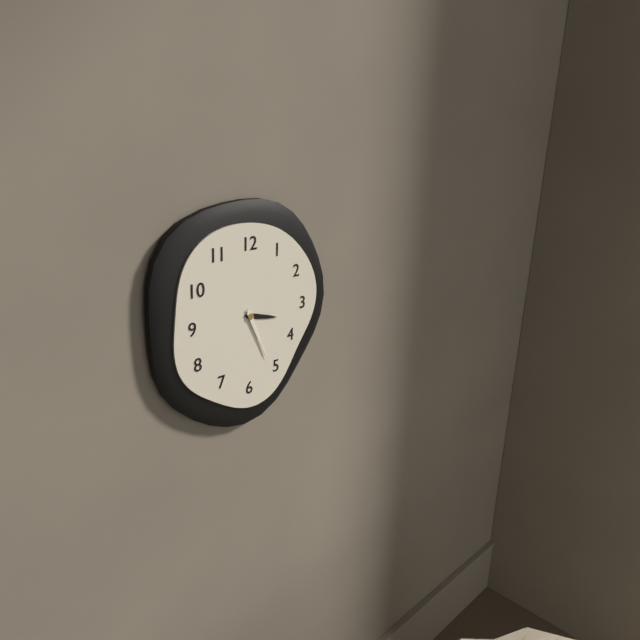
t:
3h26
